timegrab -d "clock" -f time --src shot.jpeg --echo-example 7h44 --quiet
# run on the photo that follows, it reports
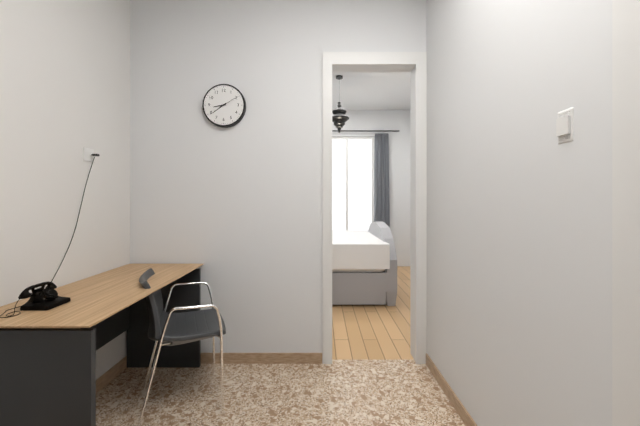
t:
8h39
